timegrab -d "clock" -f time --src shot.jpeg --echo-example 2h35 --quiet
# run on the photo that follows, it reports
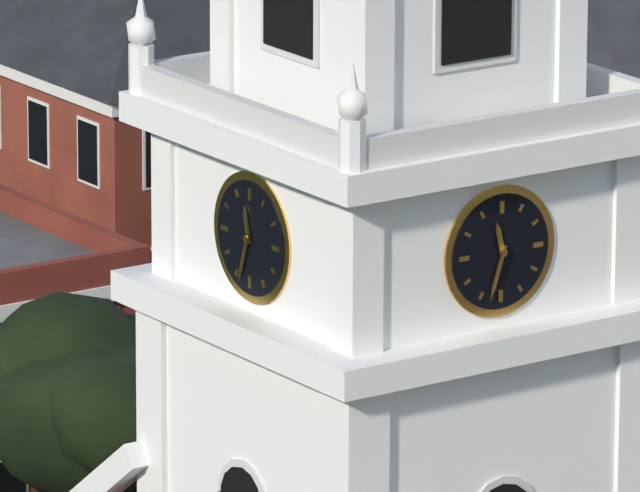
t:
11h33
